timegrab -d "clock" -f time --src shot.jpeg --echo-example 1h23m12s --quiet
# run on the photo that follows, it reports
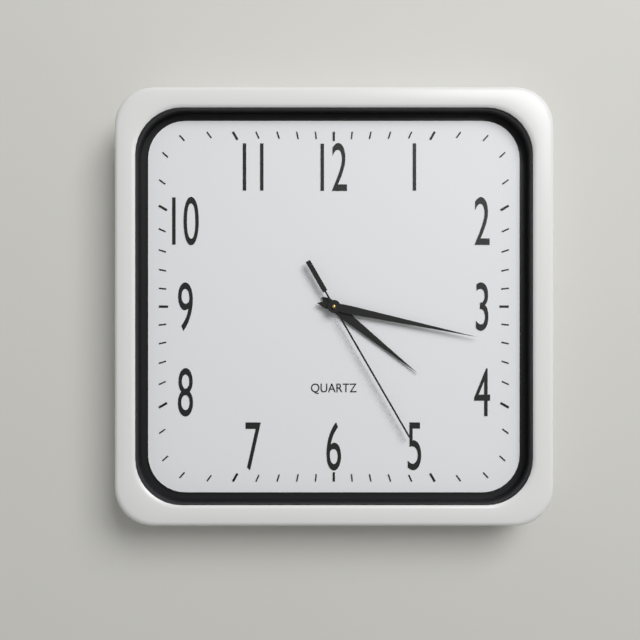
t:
4h17m25s
